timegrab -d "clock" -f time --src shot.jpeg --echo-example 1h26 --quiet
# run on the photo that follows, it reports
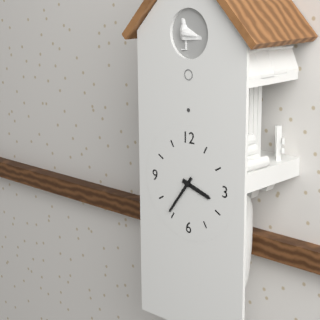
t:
3h36
